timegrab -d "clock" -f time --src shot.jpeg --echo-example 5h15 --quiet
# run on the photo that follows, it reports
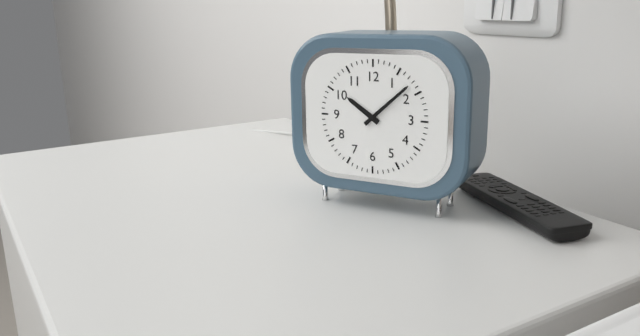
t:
10h08
